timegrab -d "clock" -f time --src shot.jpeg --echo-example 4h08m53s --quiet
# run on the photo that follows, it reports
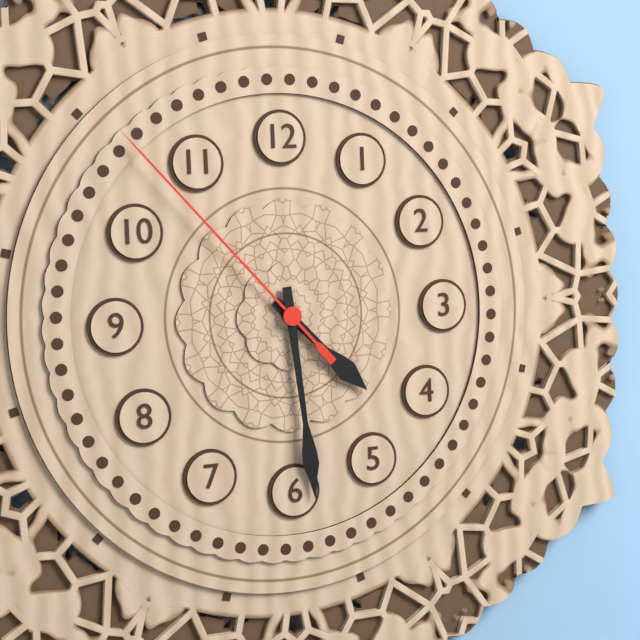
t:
4h29m53s
